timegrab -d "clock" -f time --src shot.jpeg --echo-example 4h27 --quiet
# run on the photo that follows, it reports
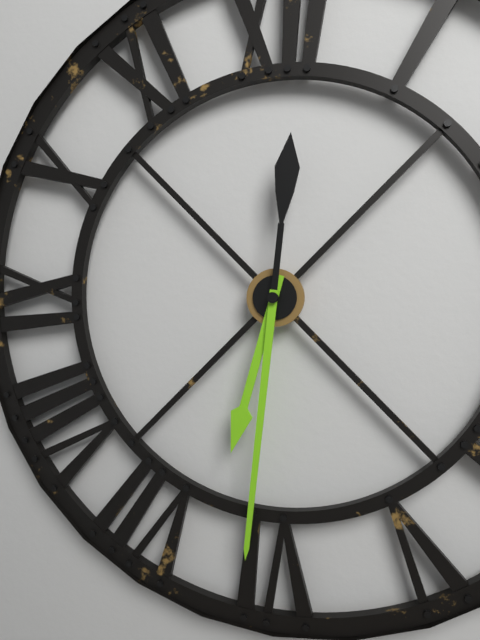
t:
6h31
